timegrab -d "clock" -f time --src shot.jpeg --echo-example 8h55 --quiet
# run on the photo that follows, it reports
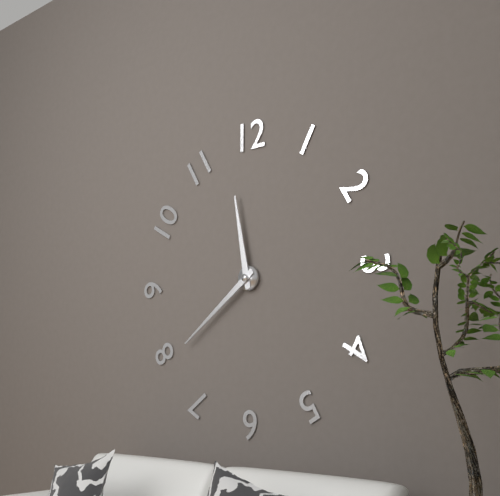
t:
11h39
